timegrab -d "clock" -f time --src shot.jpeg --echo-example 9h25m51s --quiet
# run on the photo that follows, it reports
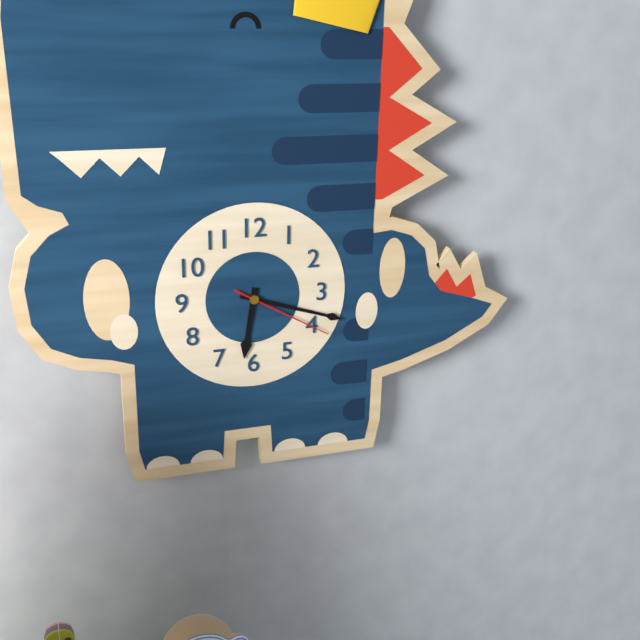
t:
6h18m20s
